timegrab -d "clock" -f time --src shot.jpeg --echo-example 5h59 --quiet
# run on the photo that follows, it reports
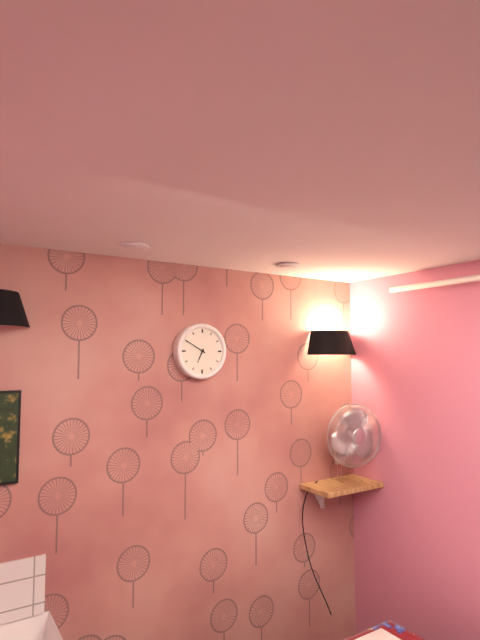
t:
6h50
